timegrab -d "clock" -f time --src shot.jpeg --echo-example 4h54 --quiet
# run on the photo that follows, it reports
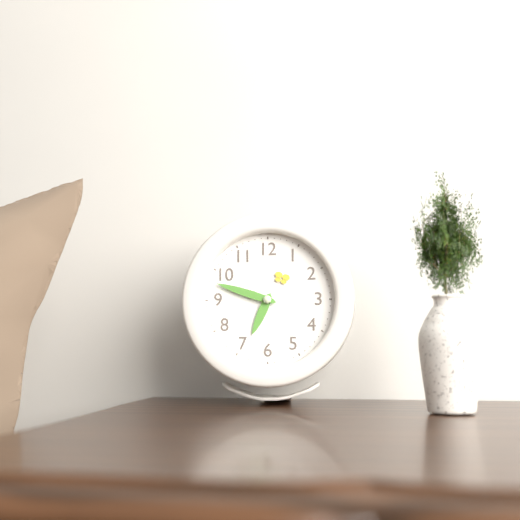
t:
6h48
